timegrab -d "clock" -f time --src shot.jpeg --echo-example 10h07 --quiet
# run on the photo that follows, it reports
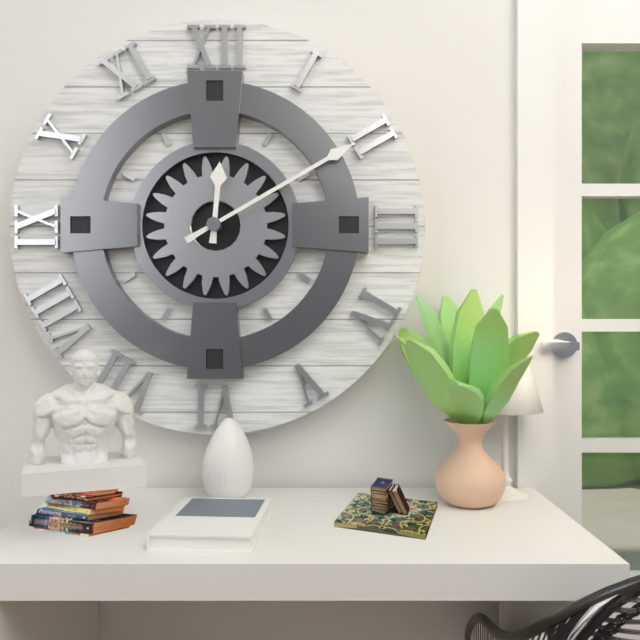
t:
12h10
